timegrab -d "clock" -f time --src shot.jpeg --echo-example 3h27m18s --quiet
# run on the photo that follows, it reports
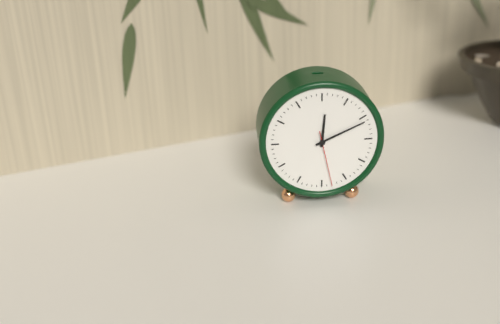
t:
12h11m28s
